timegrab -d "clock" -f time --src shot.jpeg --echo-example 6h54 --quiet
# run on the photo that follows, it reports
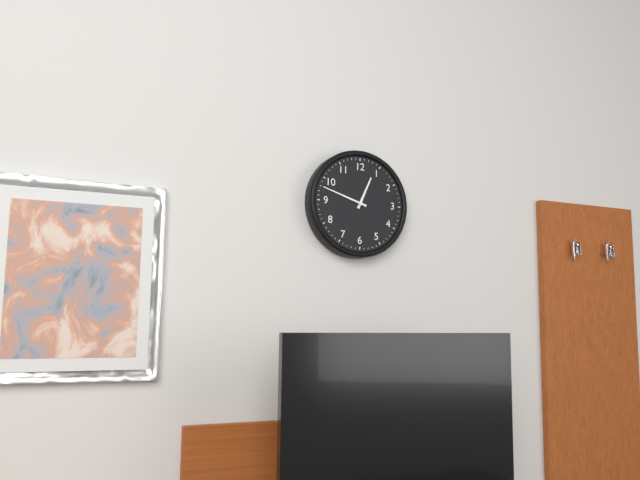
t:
12h48
